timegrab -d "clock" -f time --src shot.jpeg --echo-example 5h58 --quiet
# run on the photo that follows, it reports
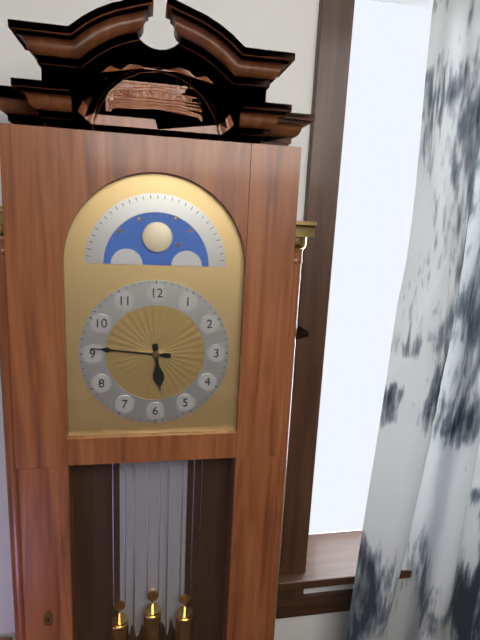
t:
5h46
